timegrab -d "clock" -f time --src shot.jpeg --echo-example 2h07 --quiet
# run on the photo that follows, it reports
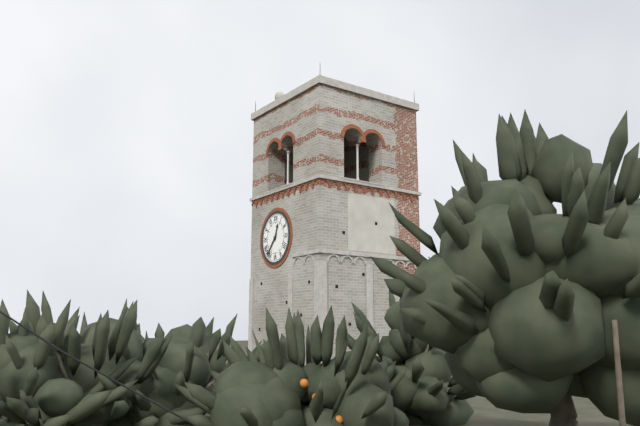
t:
12h37
